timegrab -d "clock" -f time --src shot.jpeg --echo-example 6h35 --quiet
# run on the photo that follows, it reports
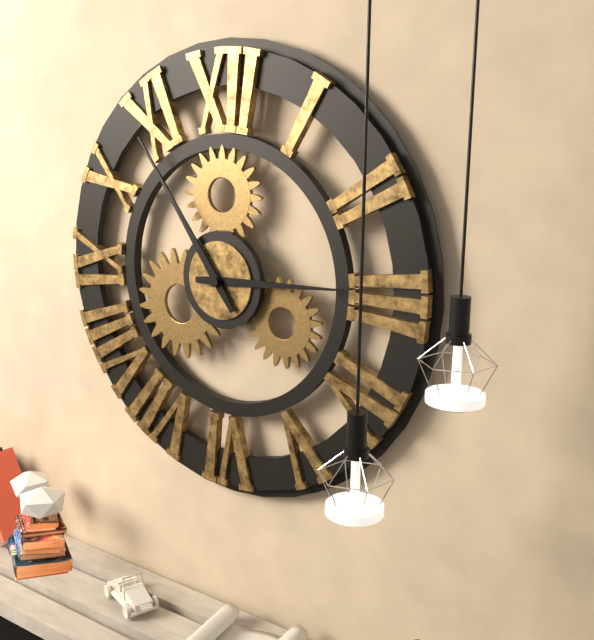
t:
2h54
